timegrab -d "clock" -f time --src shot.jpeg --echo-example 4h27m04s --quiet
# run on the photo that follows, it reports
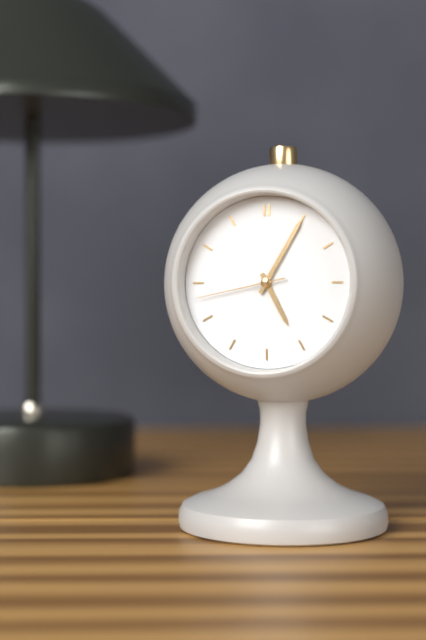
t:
5h05m43s
